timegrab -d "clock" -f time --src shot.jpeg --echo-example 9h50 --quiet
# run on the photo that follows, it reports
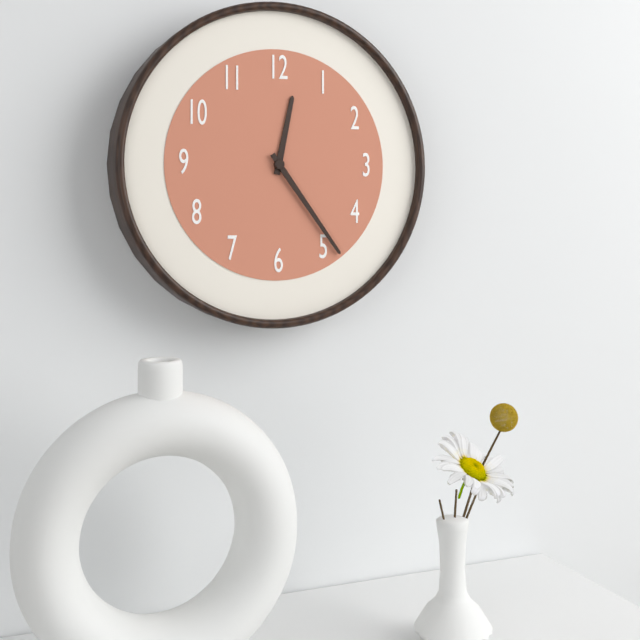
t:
12h24
